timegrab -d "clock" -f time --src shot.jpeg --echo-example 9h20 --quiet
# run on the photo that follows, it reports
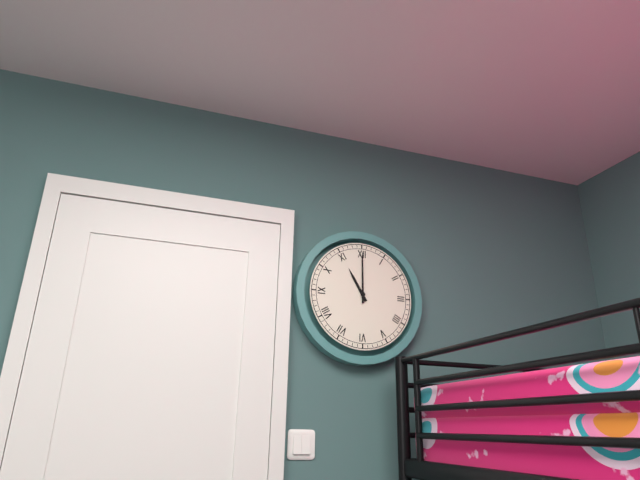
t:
11h00
